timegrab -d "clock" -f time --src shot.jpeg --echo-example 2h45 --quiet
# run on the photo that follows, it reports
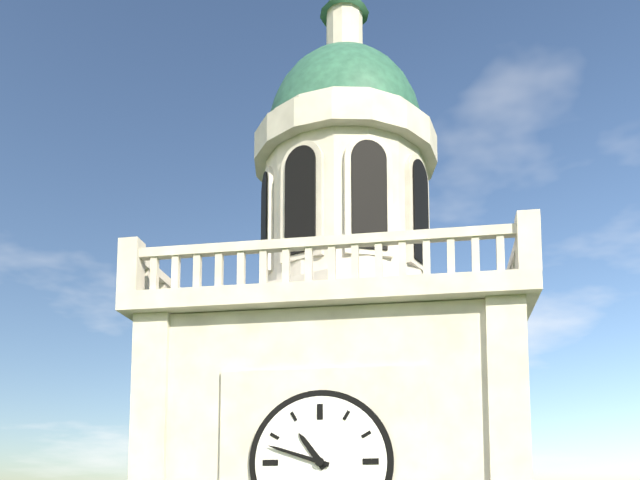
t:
10h48
